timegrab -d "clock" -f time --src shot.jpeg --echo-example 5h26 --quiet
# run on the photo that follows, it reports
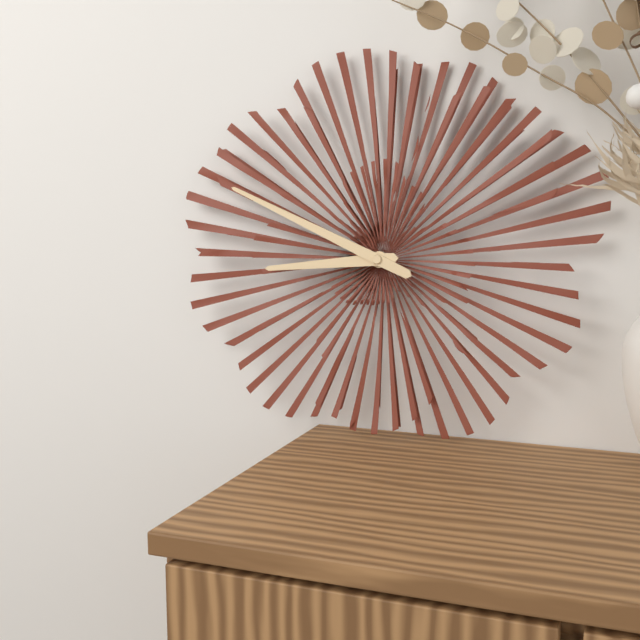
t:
8h49
